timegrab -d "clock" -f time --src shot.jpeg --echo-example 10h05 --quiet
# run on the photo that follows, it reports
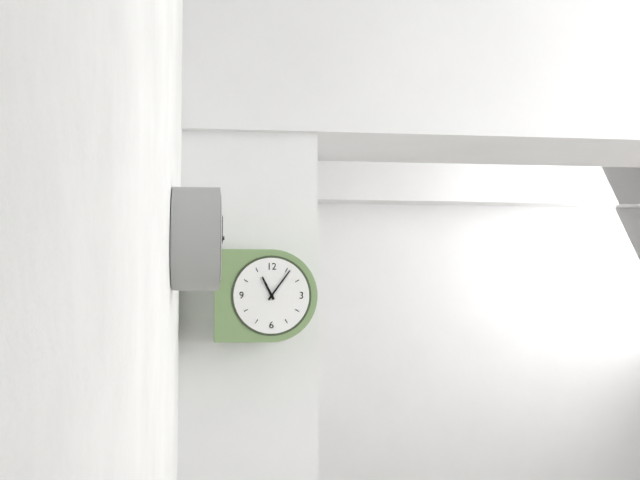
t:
11h06
